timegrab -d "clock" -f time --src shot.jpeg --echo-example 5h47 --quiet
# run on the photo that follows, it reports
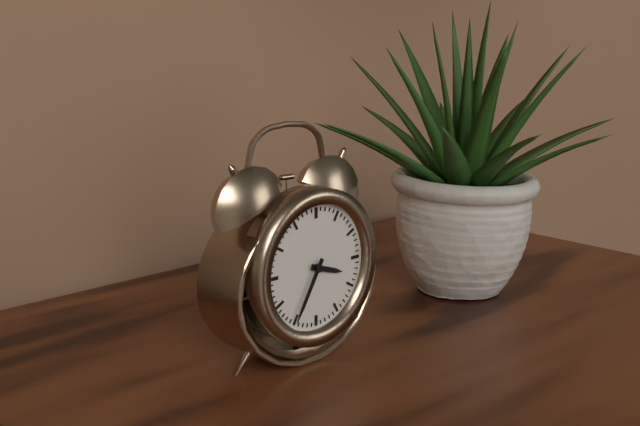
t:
3h35
